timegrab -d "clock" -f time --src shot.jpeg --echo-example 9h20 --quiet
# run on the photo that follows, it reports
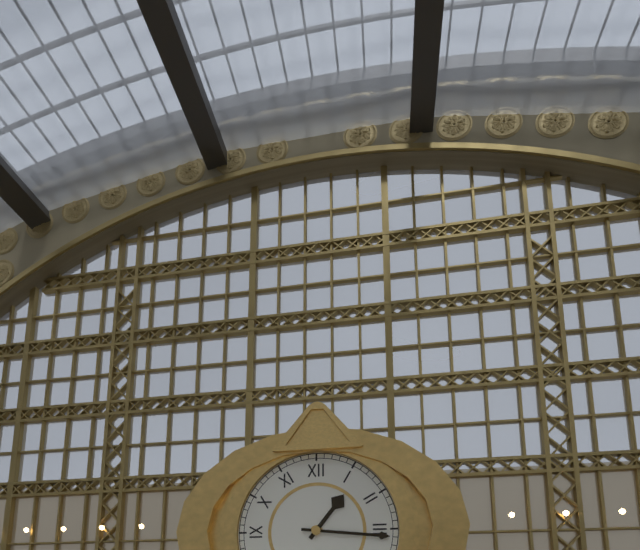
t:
1h16
